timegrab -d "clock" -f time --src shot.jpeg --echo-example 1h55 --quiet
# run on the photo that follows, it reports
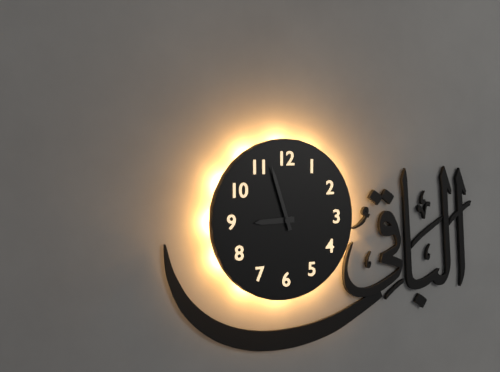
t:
8h57
